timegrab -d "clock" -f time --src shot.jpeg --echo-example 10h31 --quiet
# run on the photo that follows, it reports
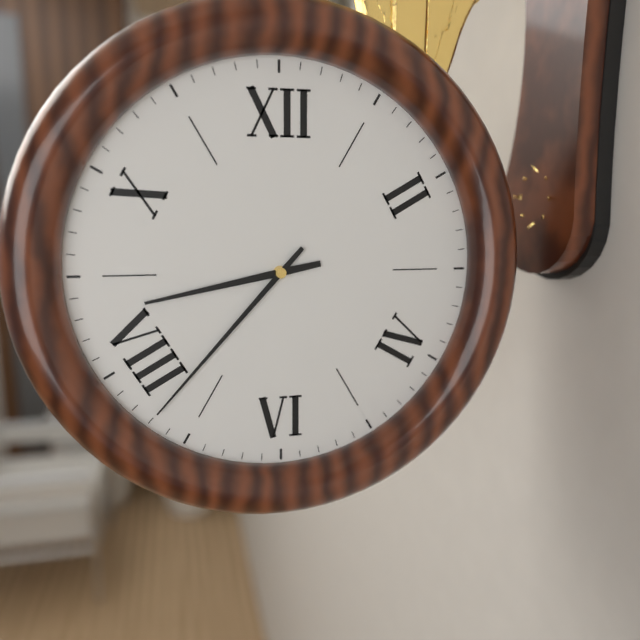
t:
8h37
